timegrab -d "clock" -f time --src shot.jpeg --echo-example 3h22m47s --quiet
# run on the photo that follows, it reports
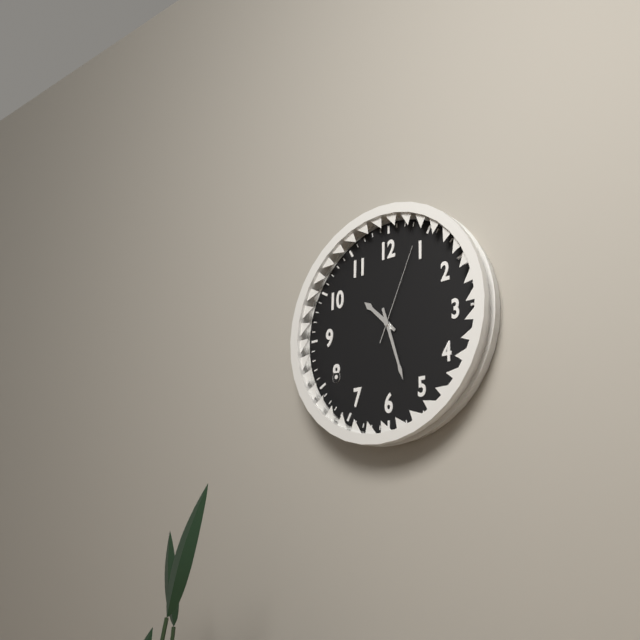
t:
10h27m04s
